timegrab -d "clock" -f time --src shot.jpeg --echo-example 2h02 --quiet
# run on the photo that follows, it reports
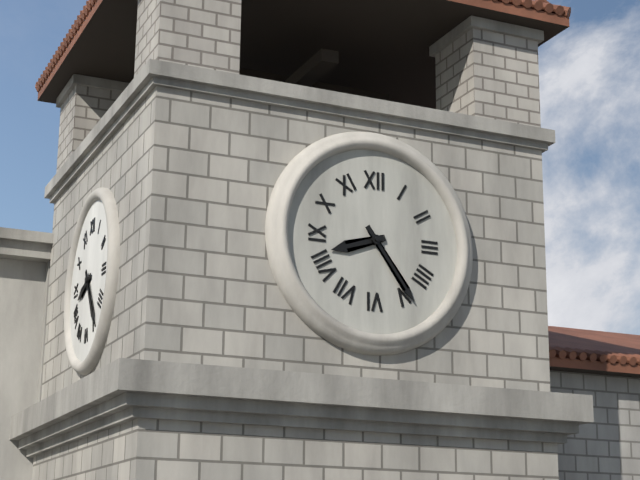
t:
8h24
